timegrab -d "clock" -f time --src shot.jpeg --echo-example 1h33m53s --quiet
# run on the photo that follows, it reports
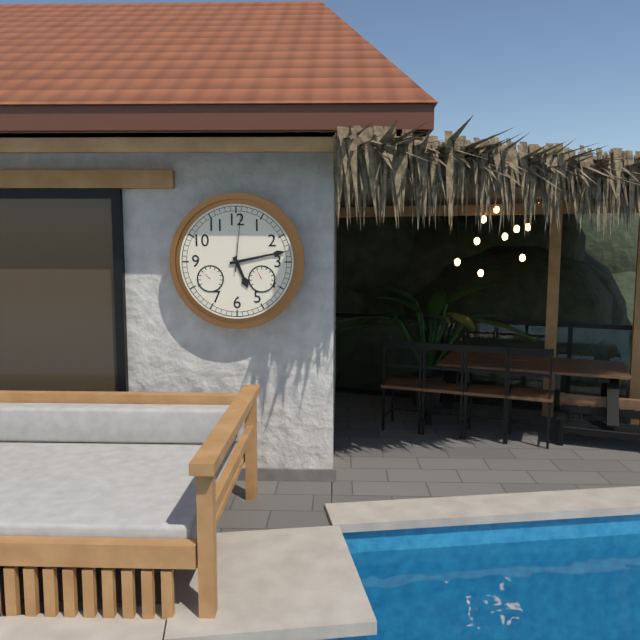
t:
5h13m01s
